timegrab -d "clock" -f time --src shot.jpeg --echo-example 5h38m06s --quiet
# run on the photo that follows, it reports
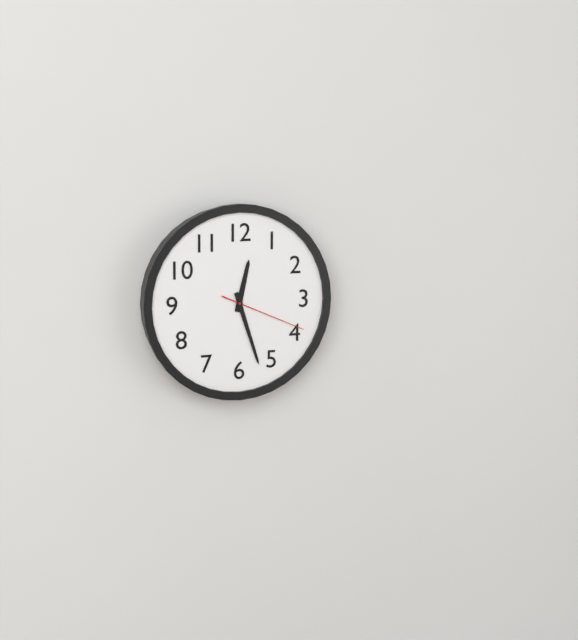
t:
12h27m19s
